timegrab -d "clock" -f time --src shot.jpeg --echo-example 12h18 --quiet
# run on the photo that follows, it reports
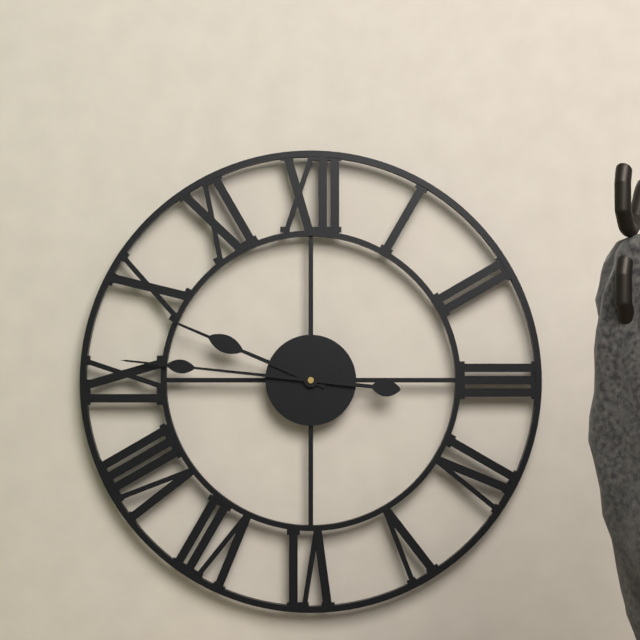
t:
9h46
